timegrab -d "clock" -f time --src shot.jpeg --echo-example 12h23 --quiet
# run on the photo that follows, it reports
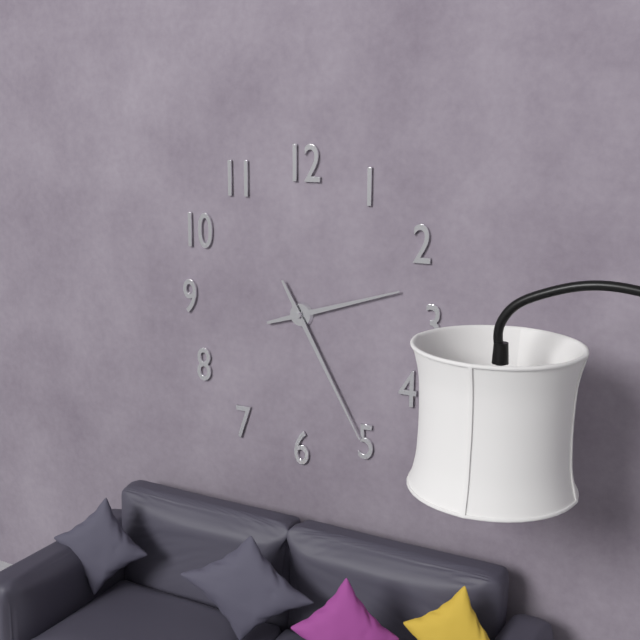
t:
2h25
